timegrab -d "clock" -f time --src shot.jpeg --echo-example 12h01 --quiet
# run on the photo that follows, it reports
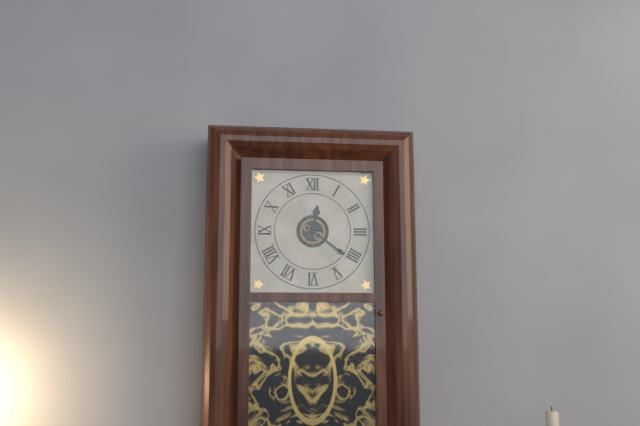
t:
12h21
